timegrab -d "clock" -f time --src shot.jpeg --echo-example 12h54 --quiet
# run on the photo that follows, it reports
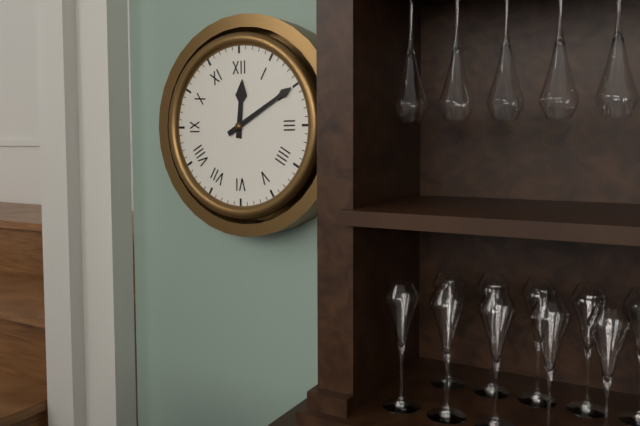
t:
12h10
